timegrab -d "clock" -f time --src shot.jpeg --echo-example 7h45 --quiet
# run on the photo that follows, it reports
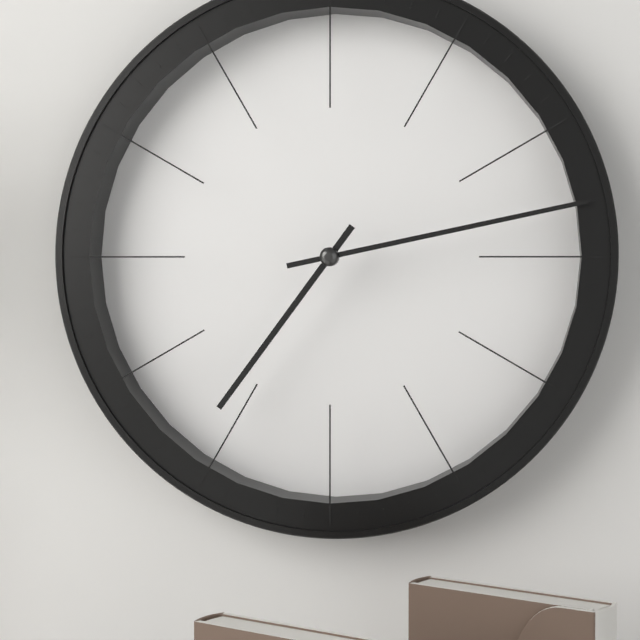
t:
7h13
